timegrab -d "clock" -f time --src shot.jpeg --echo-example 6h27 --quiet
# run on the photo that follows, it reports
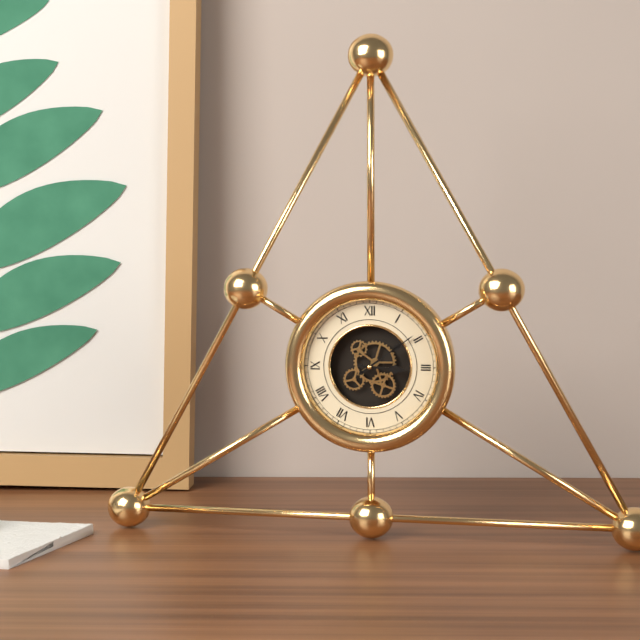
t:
3h09
